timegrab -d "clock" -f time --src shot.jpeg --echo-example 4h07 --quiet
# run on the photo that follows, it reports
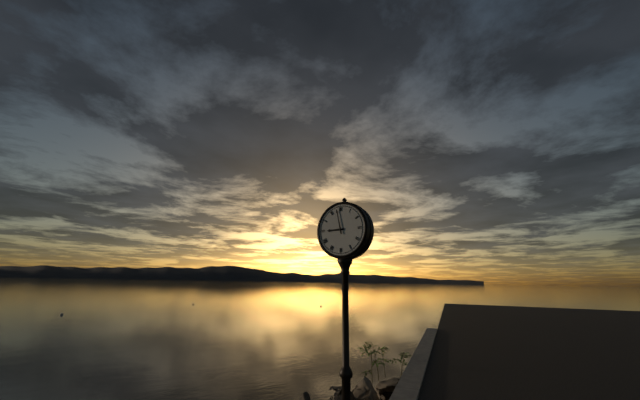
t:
8h58
